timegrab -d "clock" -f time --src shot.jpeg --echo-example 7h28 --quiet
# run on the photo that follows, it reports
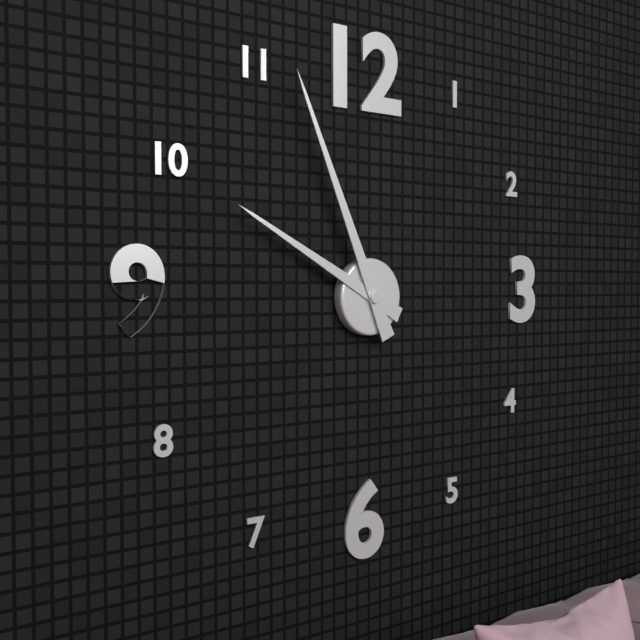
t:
9h56
